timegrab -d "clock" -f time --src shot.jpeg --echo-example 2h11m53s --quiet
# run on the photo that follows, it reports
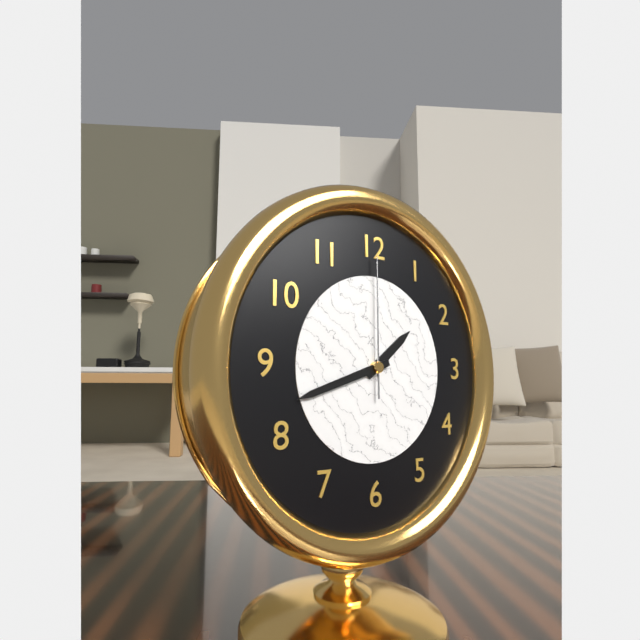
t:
1h42m00s
